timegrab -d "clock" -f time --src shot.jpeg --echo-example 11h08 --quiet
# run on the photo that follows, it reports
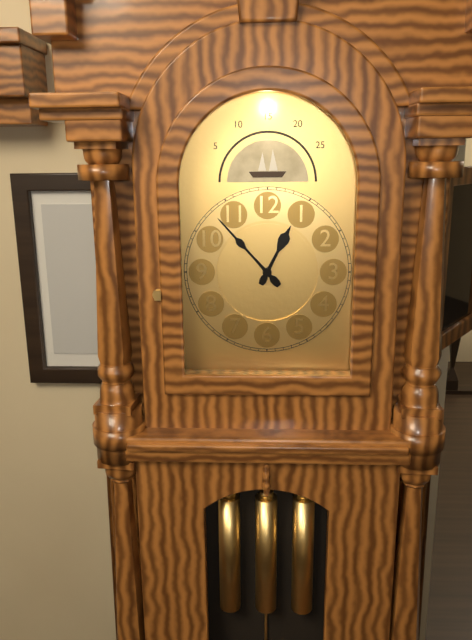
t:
12h53
